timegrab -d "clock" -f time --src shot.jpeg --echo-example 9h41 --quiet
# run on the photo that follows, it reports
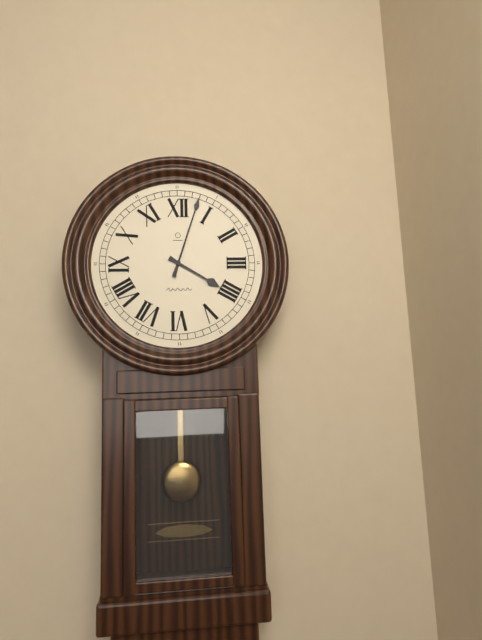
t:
4h03
